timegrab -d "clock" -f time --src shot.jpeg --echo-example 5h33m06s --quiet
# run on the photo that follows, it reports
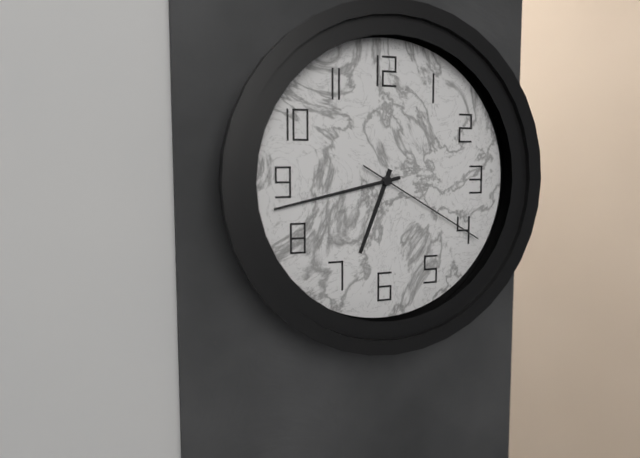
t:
6h43m20s
